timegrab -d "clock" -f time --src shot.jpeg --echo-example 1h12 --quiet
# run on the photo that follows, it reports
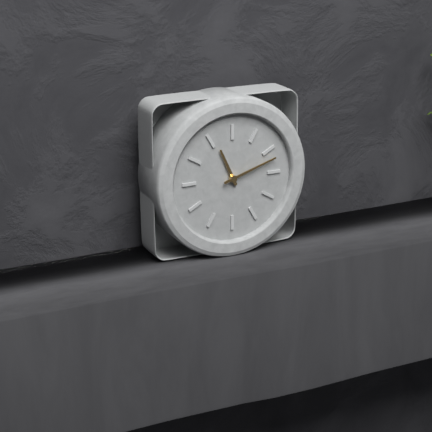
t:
11h12
